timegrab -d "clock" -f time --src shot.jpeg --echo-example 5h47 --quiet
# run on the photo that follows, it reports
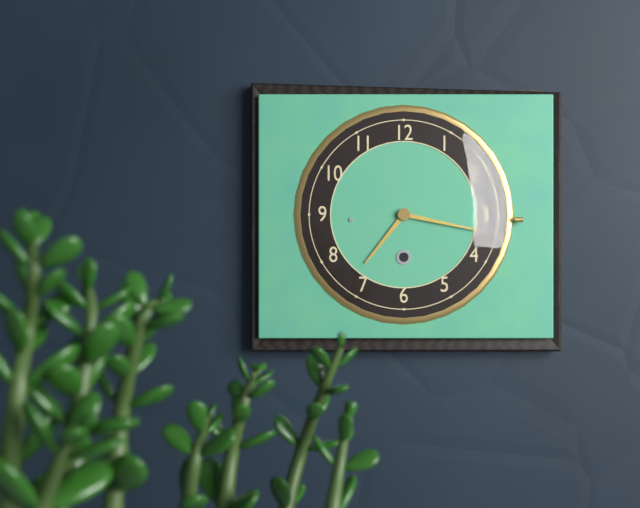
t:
7h17
